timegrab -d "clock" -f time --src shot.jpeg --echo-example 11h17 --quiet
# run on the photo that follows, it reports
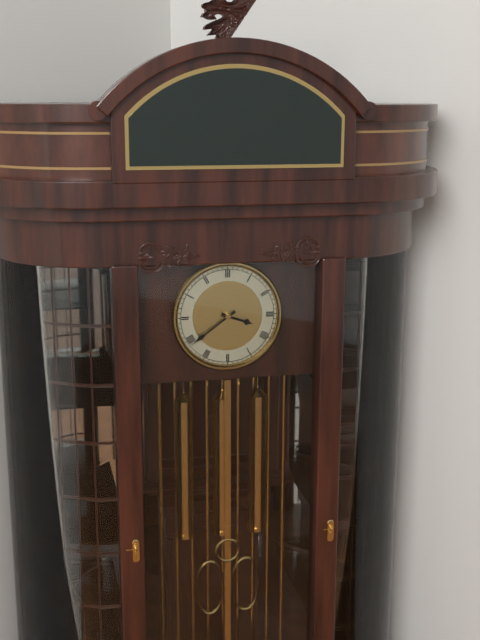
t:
3h39
